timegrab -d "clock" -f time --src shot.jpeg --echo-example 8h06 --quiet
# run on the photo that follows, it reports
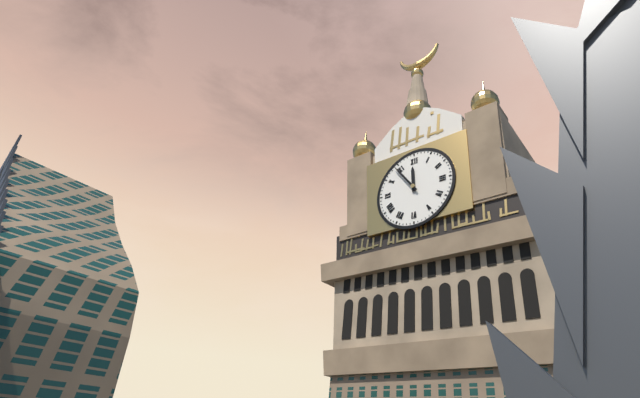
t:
11h54
